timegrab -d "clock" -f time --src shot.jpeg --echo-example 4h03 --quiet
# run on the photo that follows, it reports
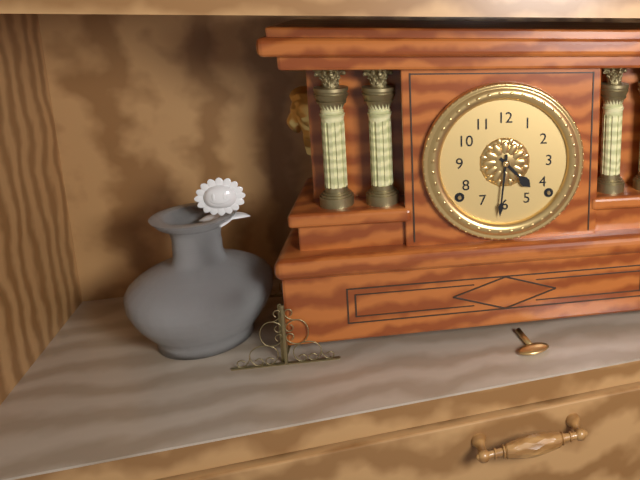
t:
4h31
